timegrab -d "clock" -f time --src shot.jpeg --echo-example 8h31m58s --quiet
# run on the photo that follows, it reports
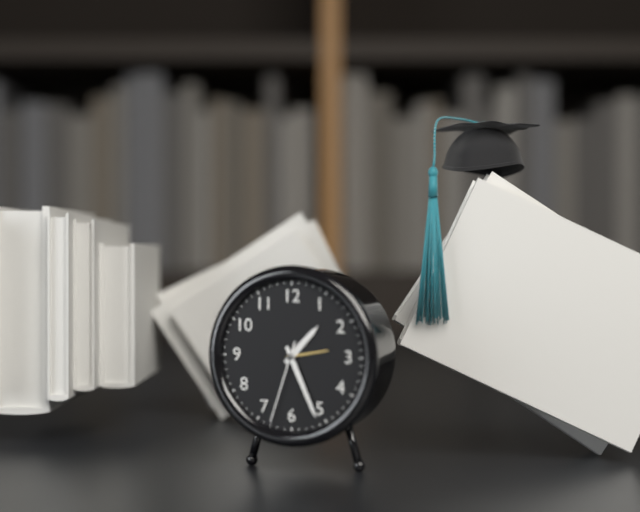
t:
1h26m33s
